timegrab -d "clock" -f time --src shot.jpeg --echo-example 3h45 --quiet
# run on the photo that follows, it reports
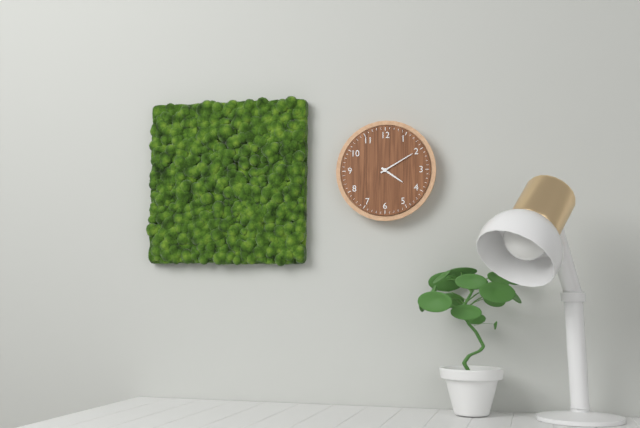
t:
4h10
